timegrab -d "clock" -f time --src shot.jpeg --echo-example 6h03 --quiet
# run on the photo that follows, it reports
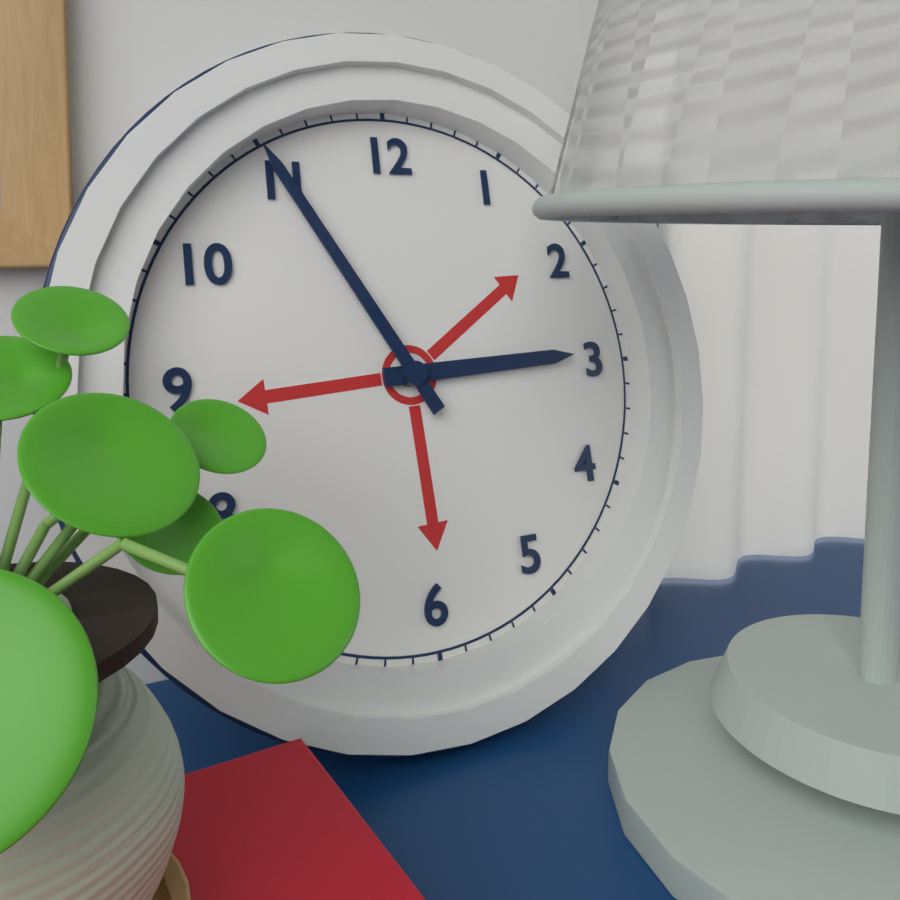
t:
2h55
